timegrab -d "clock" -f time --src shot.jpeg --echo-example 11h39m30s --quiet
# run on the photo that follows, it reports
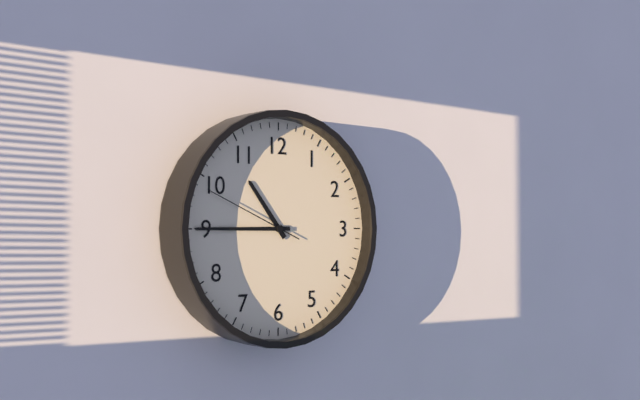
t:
10h45m49s
